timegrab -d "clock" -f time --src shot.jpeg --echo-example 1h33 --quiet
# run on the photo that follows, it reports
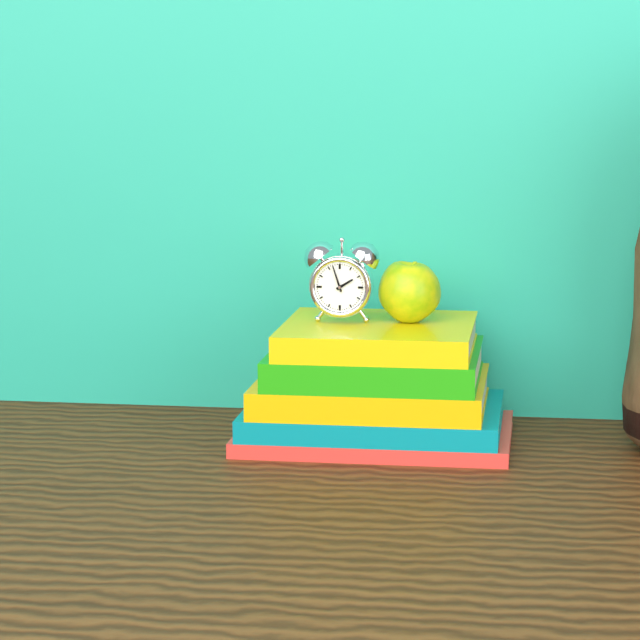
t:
1h57
